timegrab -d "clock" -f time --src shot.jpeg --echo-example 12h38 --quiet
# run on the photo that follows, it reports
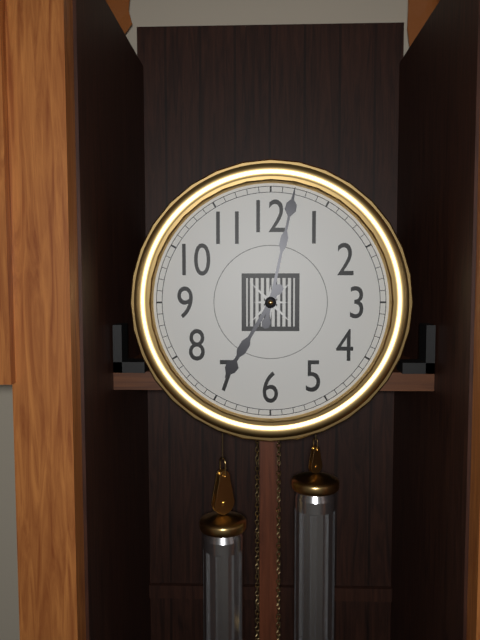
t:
7h02
